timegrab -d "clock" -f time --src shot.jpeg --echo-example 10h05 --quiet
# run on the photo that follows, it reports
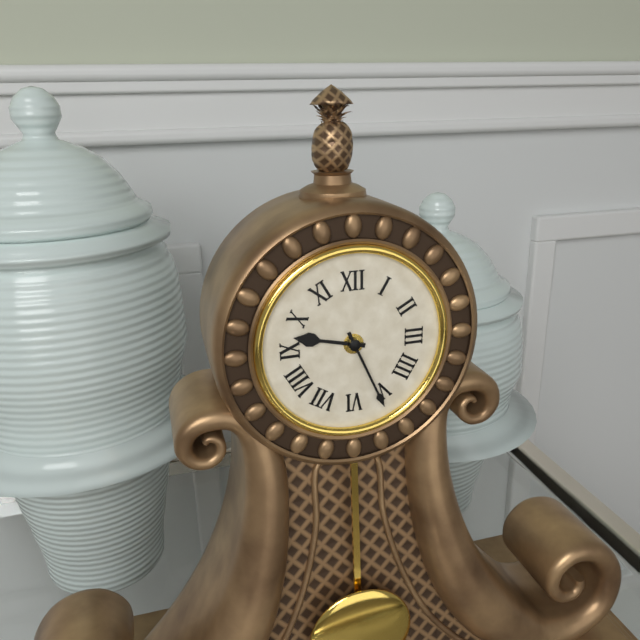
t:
9h26
